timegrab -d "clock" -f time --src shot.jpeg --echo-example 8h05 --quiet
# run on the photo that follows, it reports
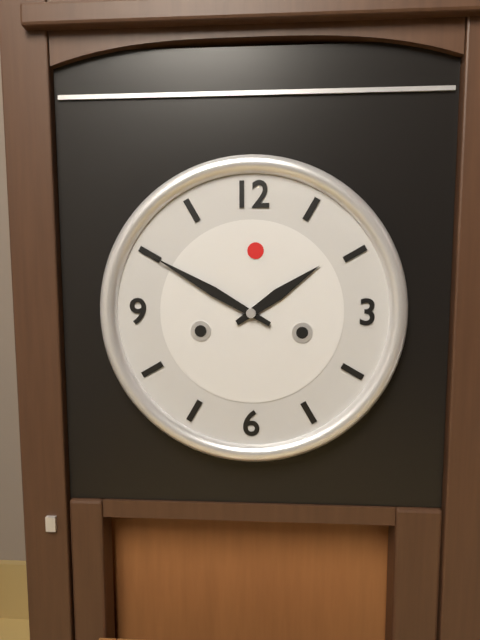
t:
1h50
